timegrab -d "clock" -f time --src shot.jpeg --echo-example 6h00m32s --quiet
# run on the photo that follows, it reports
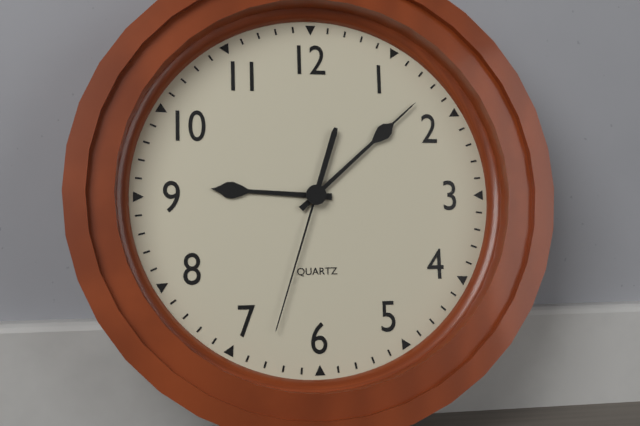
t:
9h08m33s
